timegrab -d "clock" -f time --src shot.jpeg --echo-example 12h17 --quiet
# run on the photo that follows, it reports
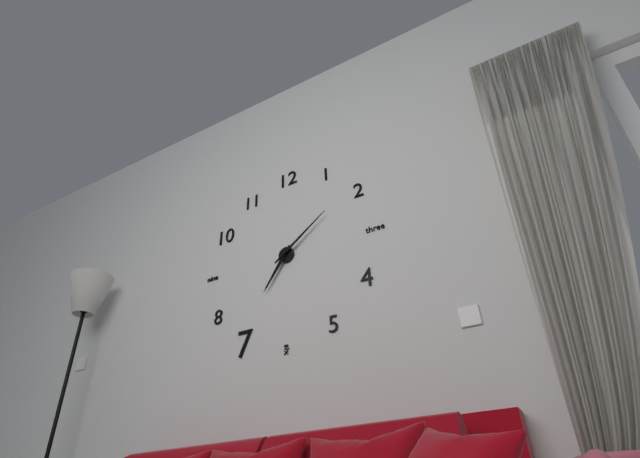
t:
7h09
